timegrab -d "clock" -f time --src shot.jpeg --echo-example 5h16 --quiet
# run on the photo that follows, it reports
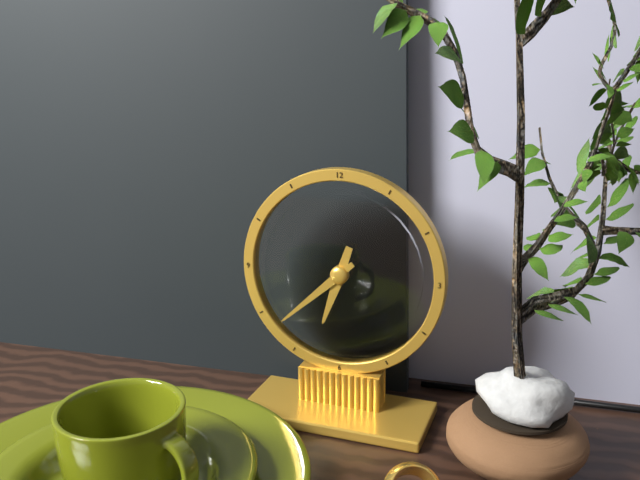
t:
6h38
